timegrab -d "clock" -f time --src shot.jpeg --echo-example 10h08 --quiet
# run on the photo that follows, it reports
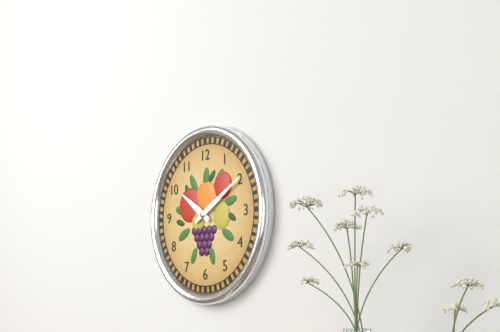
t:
10h10
